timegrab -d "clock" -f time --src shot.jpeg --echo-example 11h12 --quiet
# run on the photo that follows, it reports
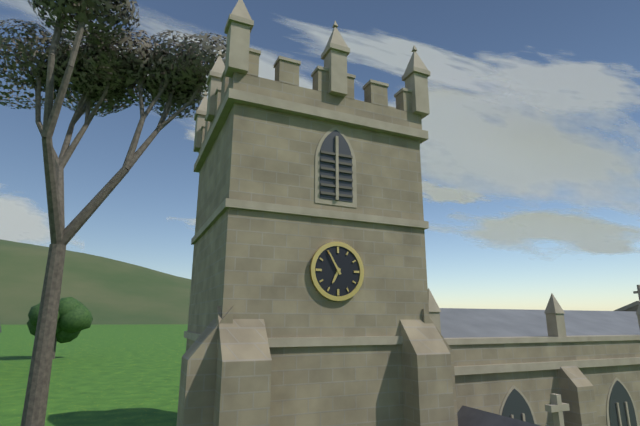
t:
6h55
